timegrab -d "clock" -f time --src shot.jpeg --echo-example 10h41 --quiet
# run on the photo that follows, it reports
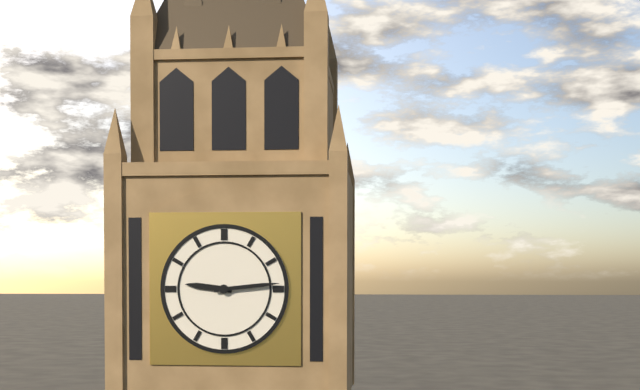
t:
9h14
